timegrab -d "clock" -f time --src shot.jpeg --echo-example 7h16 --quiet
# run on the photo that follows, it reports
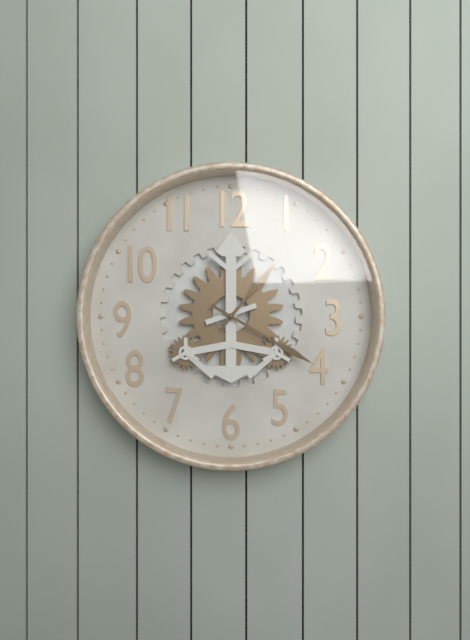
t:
1h20
